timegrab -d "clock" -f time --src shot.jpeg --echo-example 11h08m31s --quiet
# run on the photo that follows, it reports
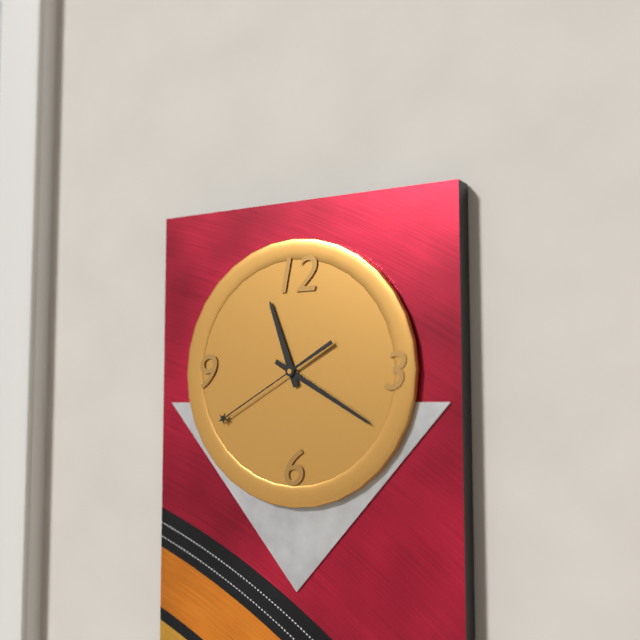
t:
11h20m40s
